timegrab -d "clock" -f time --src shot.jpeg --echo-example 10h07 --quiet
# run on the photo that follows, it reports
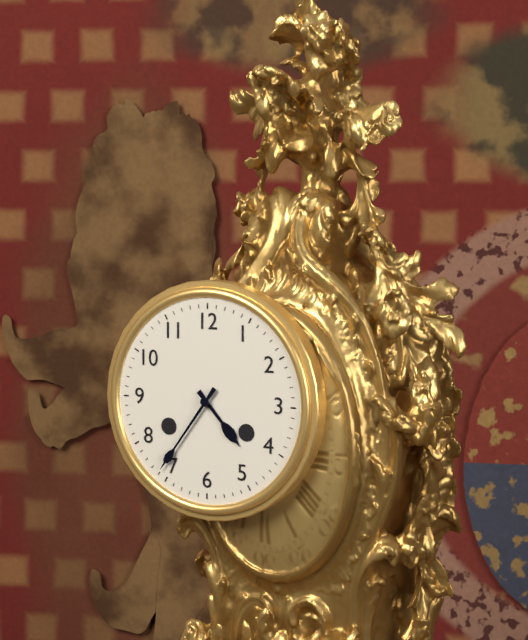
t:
4h36
